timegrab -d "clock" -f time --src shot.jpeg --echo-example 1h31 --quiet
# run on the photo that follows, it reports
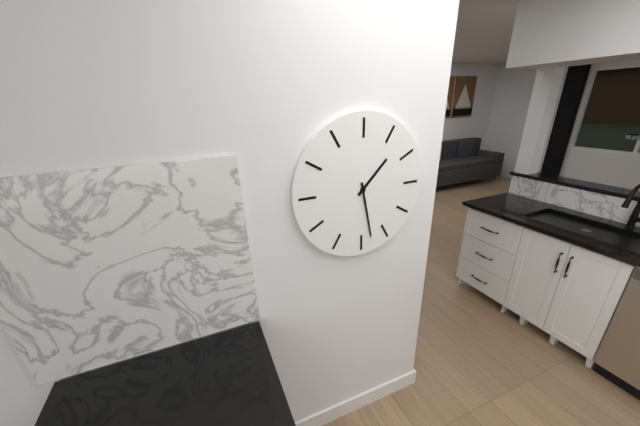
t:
1h28
